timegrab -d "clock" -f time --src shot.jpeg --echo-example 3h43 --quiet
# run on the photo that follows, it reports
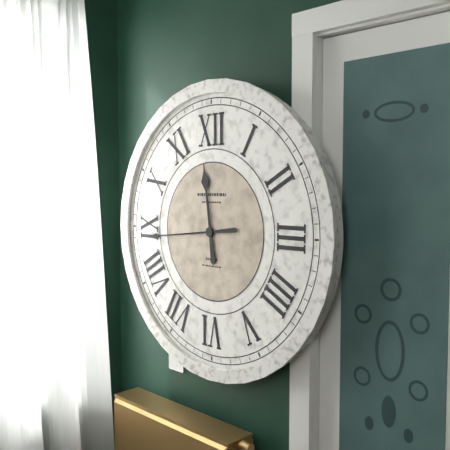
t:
11h44
